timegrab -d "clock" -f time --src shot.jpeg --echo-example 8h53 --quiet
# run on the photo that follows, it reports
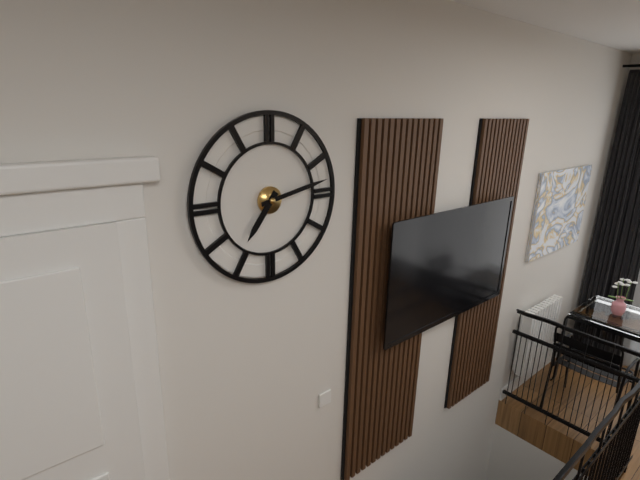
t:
7h13
